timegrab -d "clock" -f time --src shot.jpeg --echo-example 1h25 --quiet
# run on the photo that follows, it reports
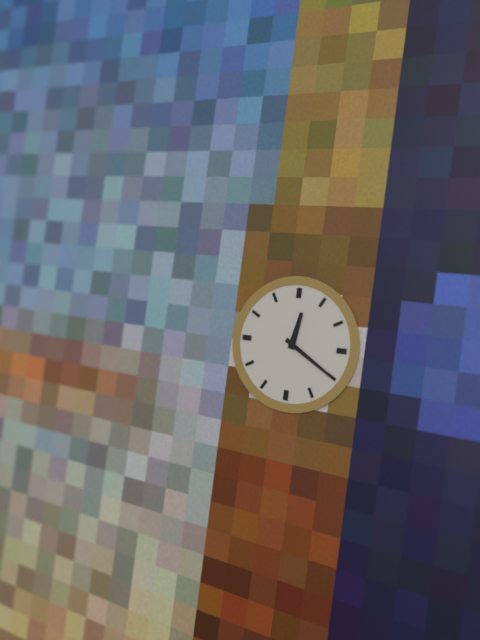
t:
12h20
